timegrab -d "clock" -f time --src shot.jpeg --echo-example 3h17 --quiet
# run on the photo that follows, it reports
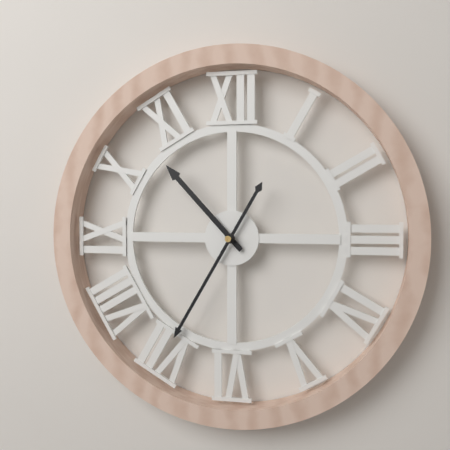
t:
10h35
